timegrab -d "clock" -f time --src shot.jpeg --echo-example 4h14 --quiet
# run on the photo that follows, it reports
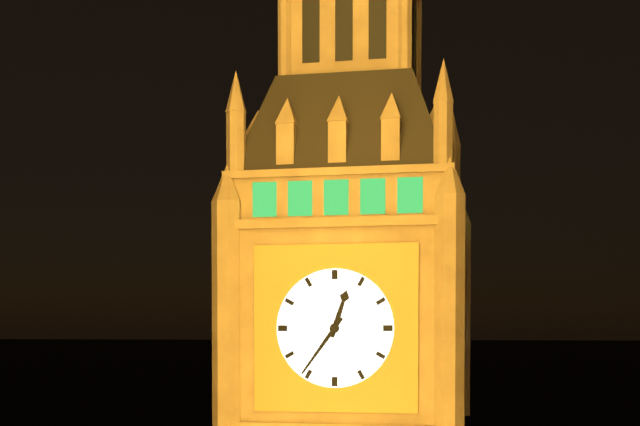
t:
12h36
